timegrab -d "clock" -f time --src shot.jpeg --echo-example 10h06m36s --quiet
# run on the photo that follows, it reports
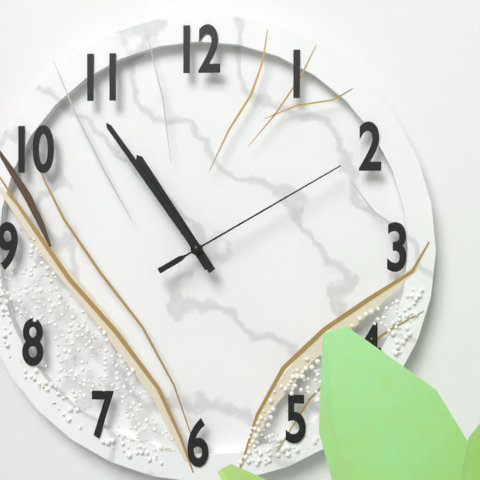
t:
10h54m10s
